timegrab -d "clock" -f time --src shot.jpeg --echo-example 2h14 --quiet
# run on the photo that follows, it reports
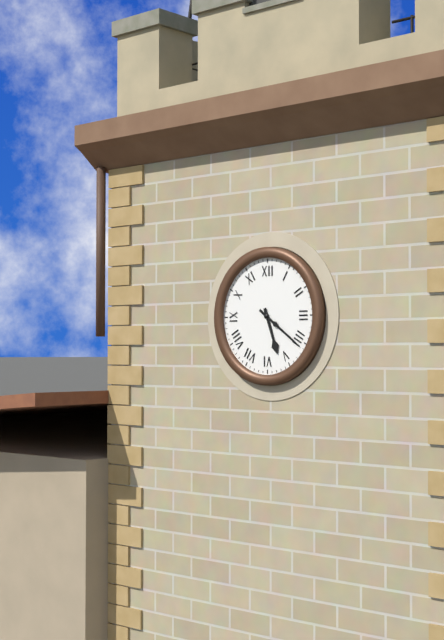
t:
5h21
